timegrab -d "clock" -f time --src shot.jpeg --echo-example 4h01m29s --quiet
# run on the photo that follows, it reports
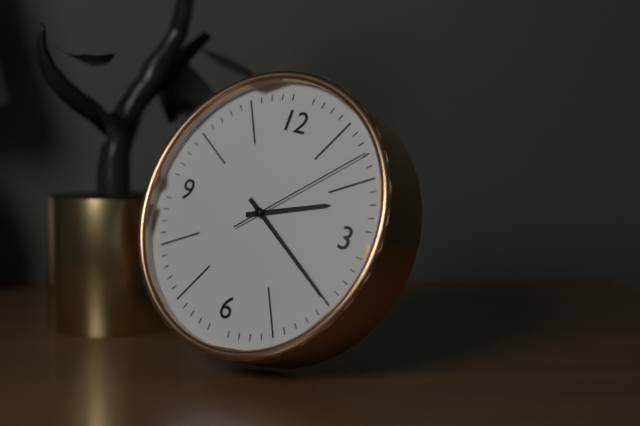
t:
2h20m08s
